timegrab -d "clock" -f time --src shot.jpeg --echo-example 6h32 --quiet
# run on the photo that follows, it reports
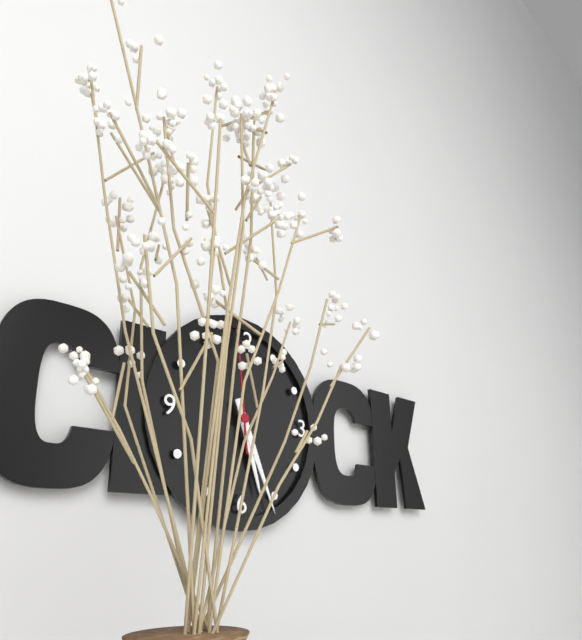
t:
5h26
